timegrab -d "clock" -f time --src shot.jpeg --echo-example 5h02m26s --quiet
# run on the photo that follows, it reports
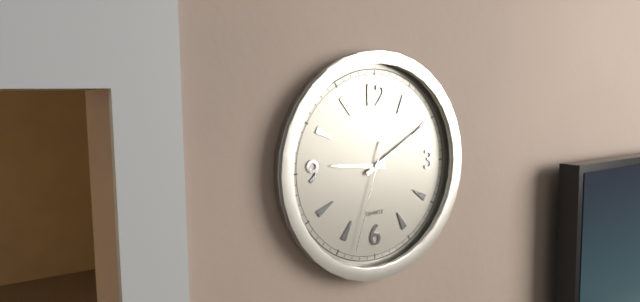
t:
9h10m33s
